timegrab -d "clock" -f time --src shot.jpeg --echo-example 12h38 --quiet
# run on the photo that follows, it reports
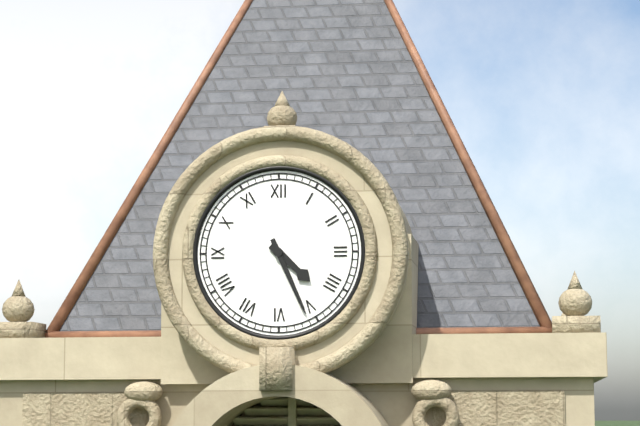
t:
4h26
